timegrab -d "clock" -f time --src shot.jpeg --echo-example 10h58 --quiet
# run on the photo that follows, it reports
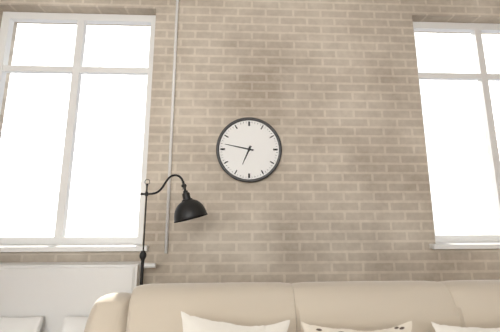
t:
6h47
